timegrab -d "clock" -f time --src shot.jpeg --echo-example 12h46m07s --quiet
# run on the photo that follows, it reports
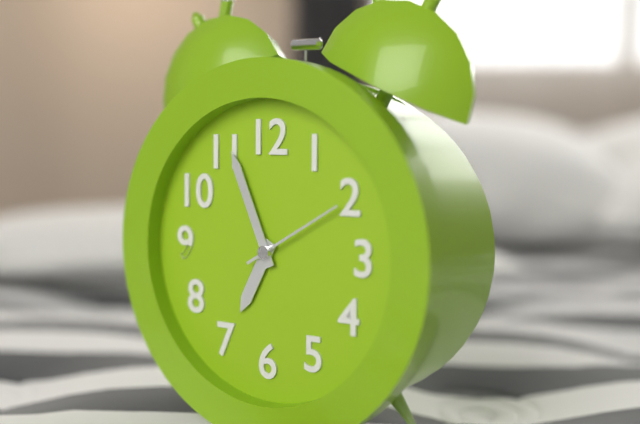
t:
6h56m10s
